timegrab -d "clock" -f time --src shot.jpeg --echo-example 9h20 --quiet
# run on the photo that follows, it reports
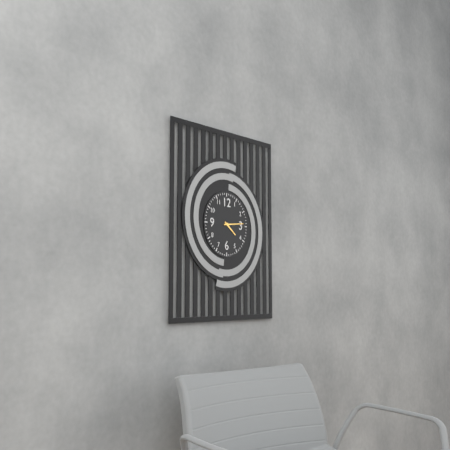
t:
4h14
